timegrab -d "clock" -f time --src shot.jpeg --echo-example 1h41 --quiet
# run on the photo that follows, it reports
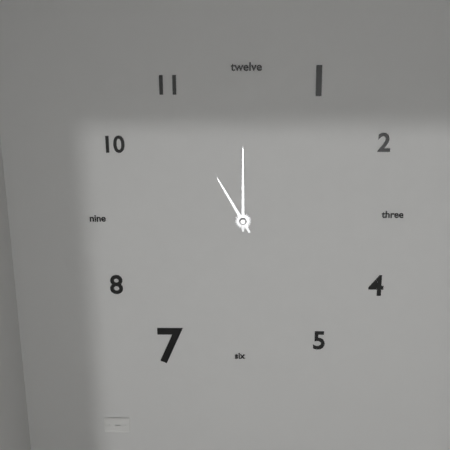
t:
11h00
